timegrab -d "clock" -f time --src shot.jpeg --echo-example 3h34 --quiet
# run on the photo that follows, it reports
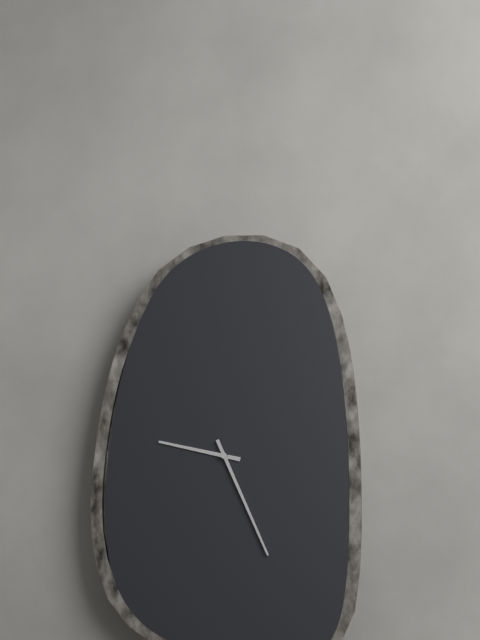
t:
9h26
